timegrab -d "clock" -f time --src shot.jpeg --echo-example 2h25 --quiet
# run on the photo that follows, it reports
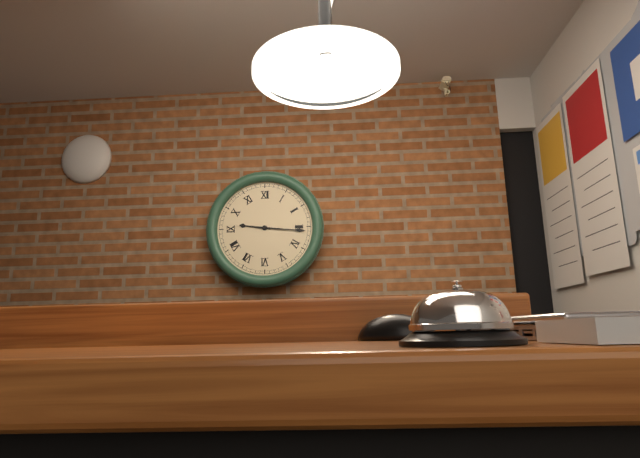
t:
9h16
